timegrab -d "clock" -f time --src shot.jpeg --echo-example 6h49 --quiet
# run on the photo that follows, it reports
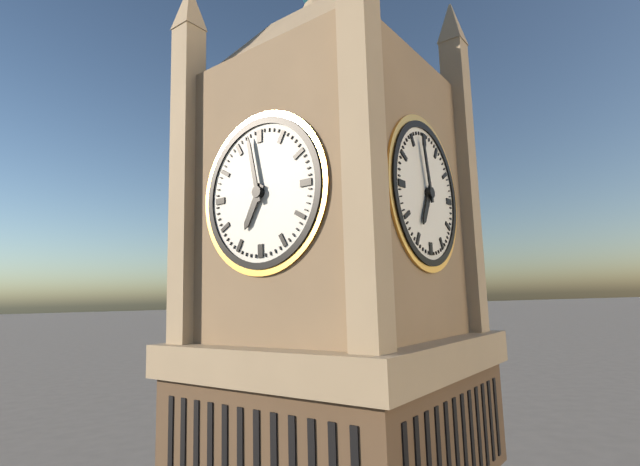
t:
6h58
